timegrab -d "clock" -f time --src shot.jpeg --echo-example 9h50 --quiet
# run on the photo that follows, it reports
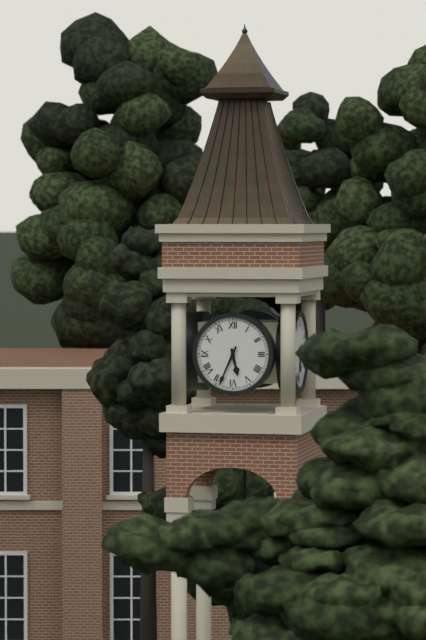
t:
5h34
